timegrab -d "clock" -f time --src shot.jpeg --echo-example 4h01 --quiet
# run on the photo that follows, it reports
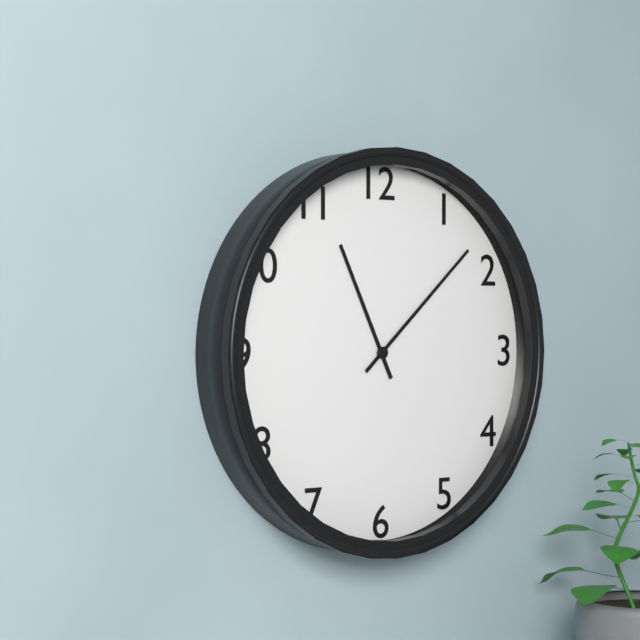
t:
11h08
